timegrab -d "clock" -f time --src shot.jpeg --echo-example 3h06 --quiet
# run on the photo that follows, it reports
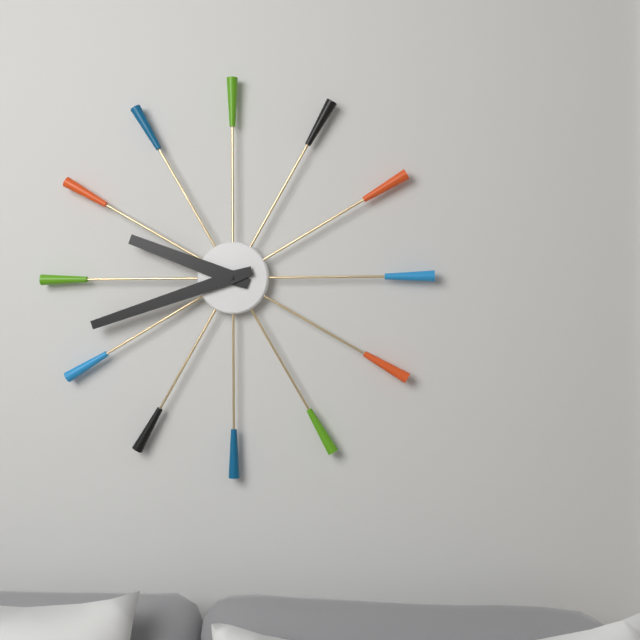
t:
9h42
